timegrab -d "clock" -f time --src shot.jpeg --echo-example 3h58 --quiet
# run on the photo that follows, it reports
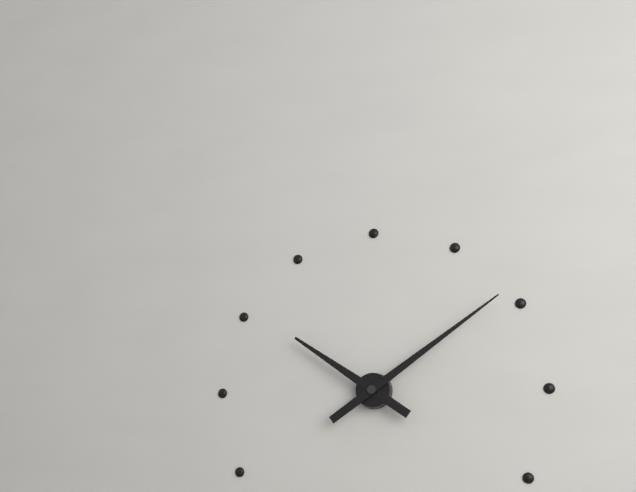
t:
10h09
